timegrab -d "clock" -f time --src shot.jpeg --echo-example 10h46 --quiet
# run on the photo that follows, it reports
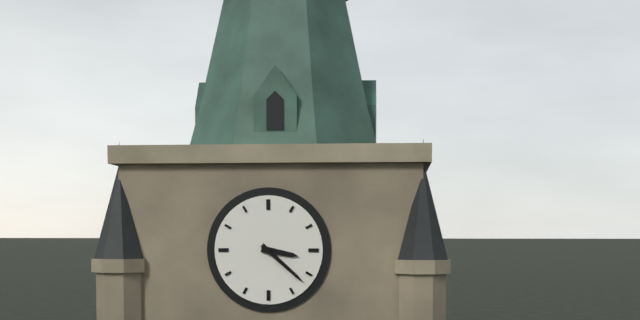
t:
3h22
